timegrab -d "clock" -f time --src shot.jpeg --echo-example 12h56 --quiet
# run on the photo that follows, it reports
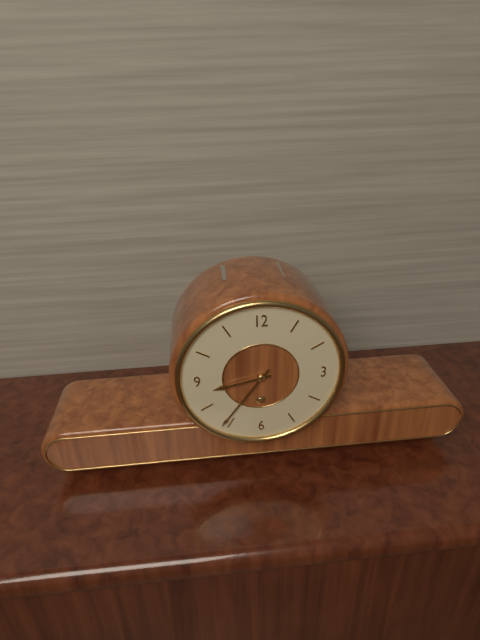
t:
8h36
